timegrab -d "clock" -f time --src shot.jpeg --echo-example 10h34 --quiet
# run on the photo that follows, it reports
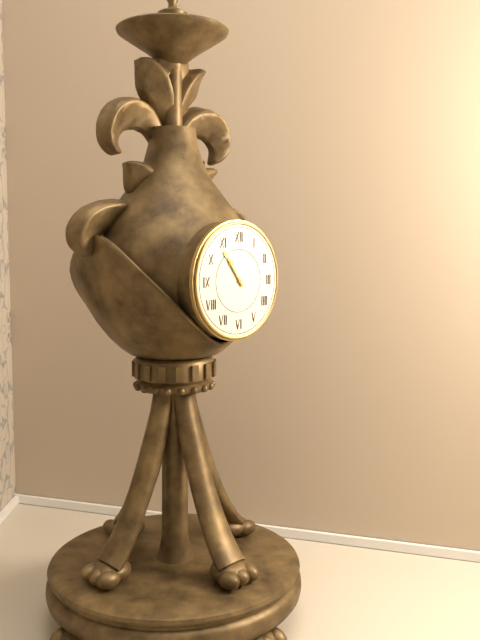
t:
10h54
